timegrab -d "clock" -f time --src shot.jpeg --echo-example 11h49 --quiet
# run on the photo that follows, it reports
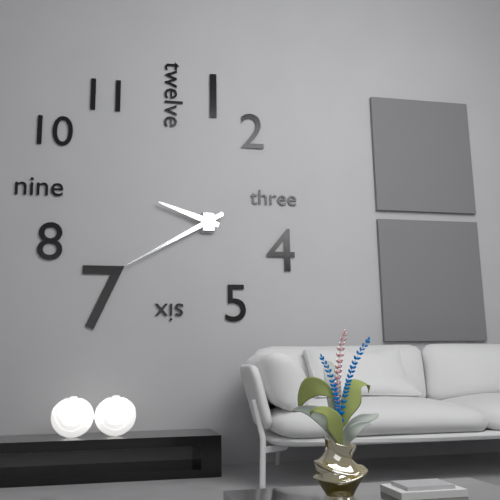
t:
9h40
